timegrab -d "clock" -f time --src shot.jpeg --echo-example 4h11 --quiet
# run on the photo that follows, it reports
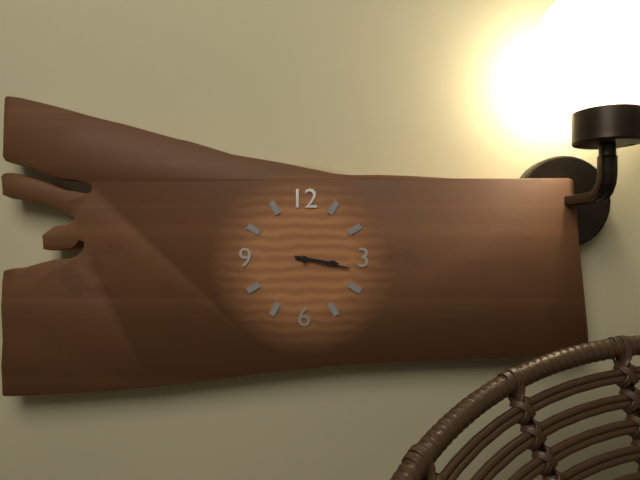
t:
3h17
